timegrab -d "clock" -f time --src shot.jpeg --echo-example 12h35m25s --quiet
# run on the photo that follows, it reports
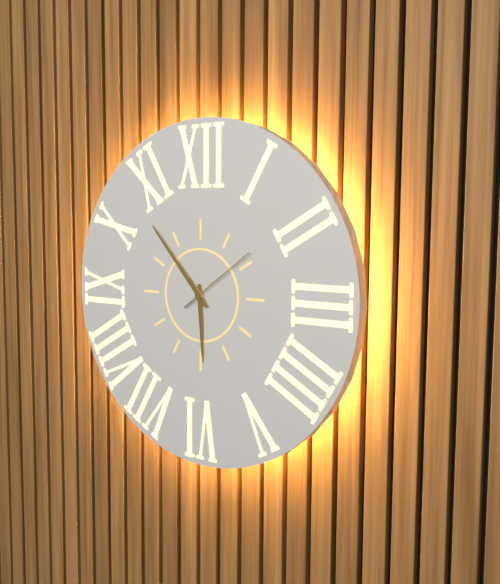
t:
5h53m09s
